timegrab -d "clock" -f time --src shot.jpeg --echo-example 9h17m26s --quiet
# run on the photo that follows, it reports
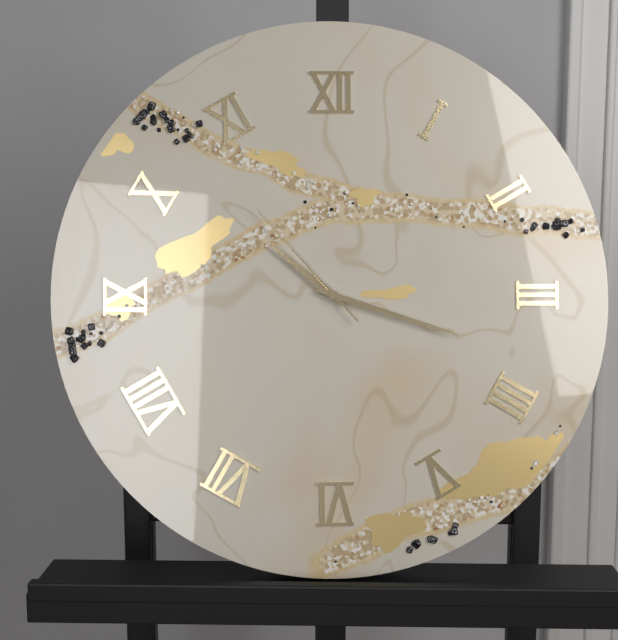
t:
10h18m53s
